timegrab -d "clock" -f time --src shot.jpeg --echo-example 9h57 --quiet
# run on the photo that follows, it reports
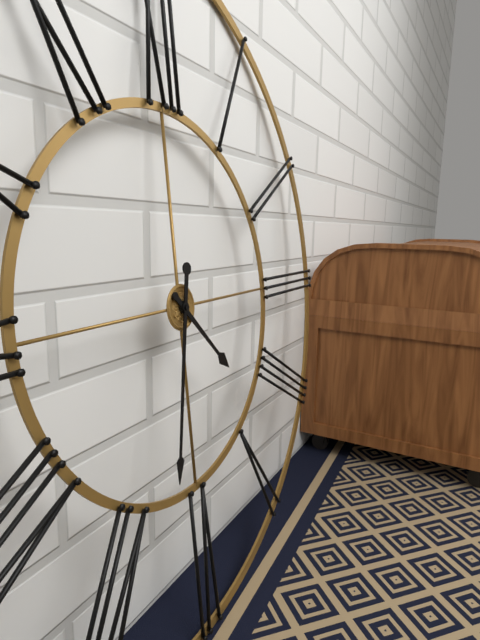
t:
4h32
